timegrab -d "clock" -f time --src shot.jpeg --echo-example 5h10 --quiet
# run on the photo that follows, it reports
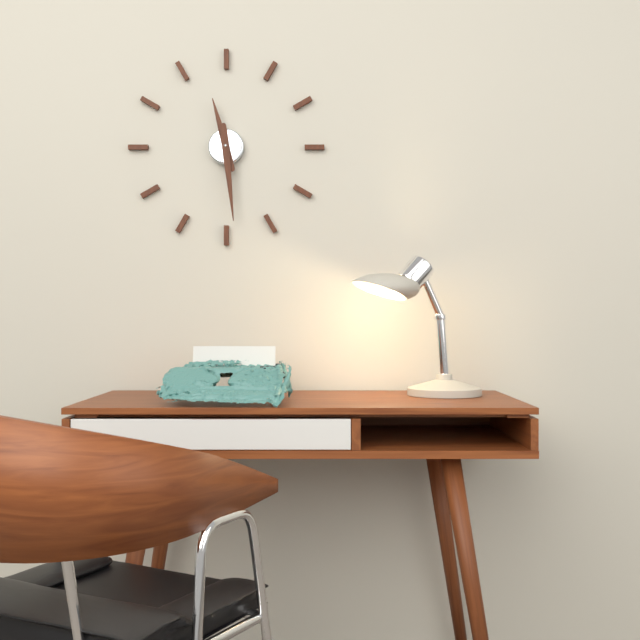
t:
11h29
